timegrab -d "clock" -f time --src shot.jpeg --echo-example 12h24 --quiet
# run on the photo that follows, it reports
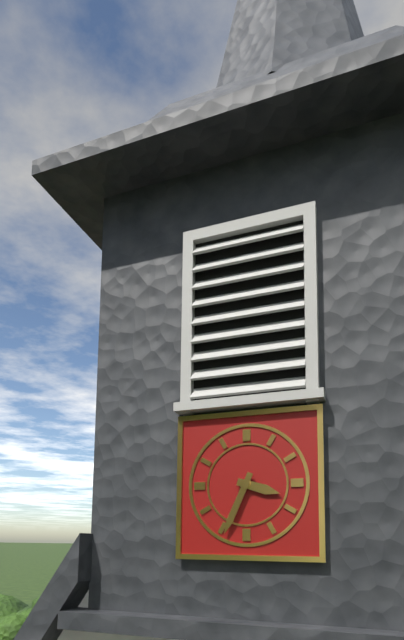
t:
3h34
